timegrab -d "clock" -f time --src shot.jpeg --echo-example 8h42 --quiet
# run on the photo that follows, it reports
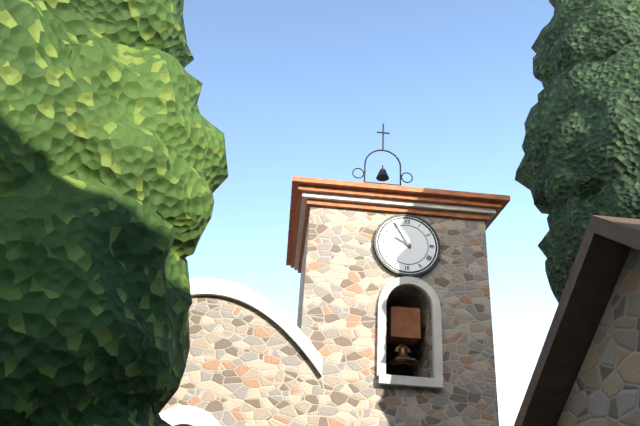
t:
9h55
